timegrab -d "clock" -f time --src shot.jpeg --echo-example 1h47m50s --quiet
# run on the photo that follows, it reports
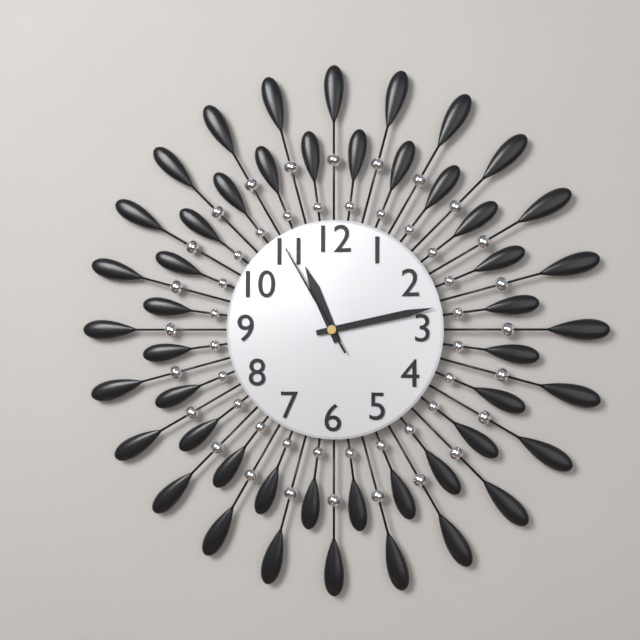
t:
11h13m55s
